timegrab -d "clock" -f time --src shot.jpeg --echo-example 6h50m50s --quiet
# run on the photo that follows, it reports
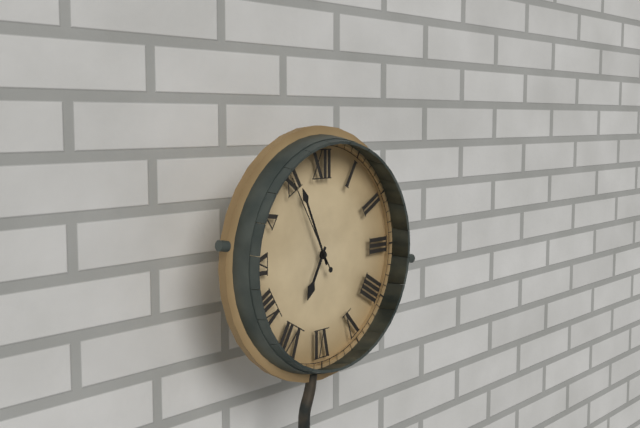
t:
6h56m55s
